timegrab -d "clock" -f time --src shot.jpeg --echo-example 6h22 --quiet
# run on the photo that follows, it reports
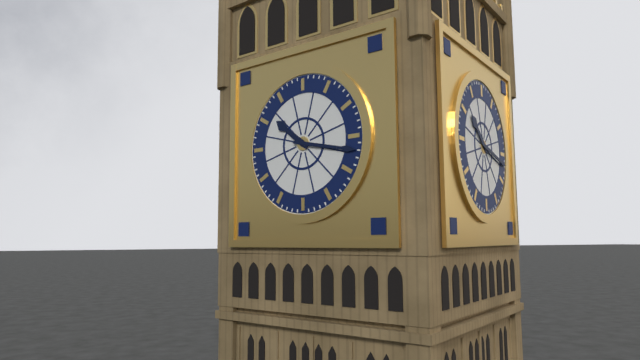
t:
10h17
